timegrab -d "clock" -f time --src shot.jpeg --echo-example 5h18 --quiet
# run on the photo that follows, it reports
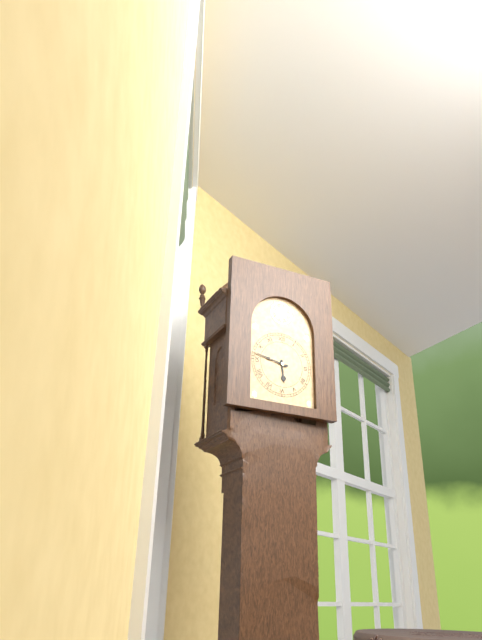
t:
5h47
